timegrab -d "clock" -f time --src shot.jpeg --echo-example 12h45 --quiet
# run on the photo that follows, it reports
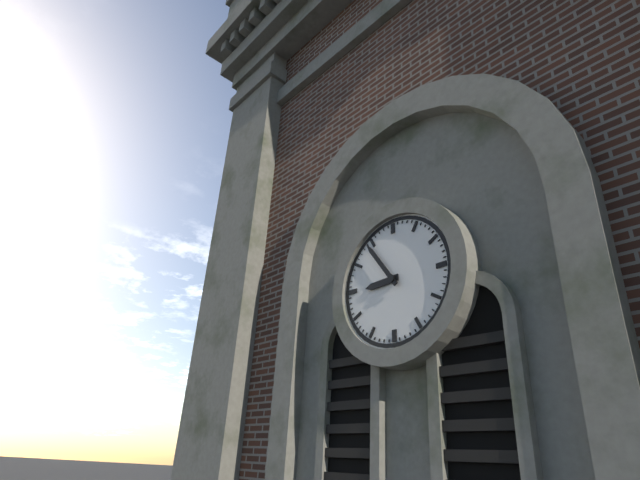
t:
8h54
